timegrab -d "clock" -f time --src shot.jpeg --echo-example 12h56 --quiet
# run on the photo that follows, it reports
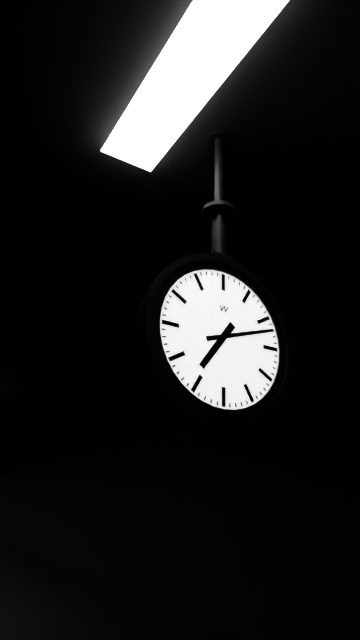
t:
7h12
